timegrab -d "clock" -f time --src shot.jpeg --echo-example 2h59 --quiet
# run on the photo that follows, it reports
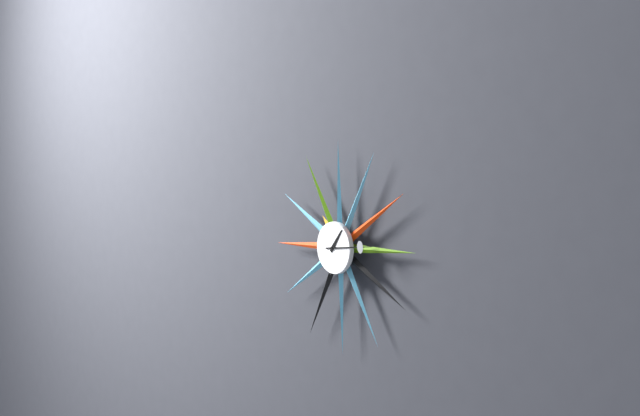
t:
1h14
